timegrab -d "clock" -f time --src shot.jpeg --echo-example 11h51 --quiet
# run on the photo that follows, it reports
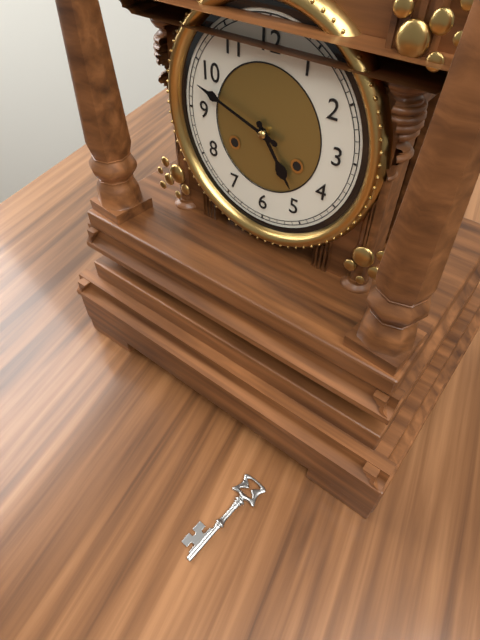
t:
4h48
